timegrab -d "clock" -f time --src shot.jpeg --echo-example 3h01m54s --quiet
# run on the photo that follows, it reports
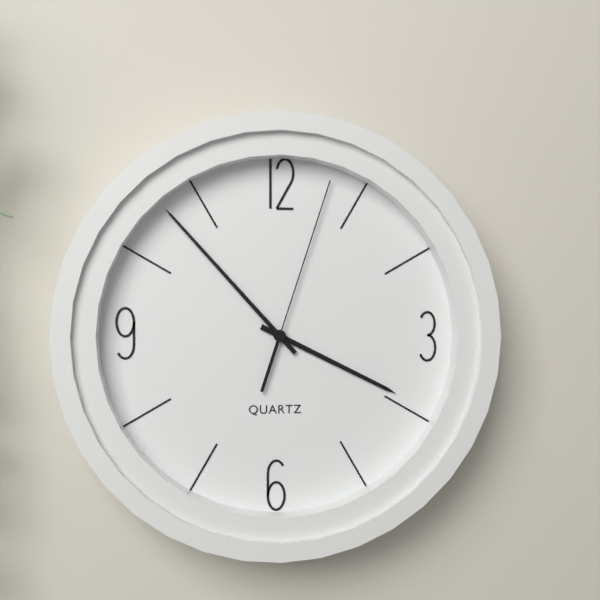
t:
3h53m03s
